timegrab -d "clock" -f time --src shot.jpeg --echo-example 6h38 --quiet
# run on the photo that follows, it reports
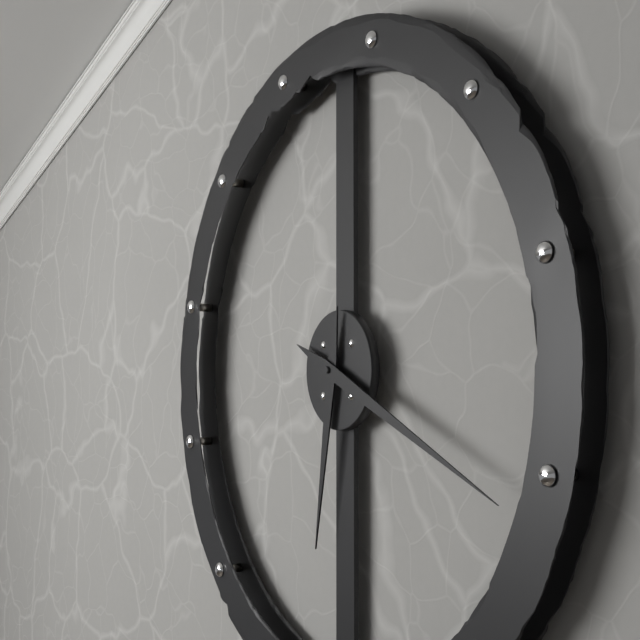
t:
6h19
